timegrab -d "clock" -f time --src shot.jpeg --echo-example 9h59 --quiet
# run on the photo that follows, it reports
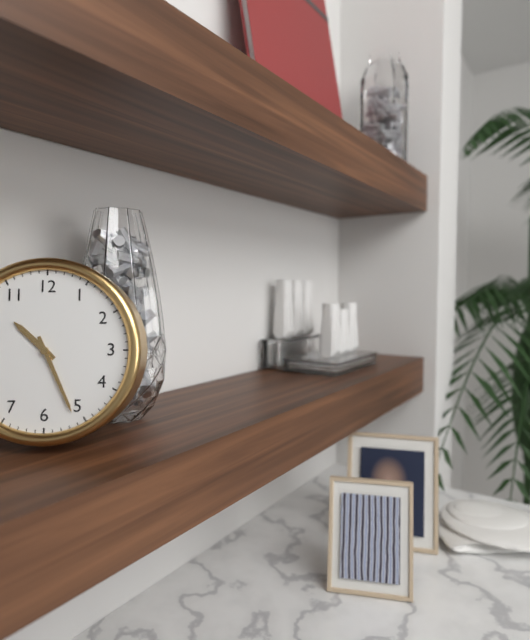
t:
10h26
